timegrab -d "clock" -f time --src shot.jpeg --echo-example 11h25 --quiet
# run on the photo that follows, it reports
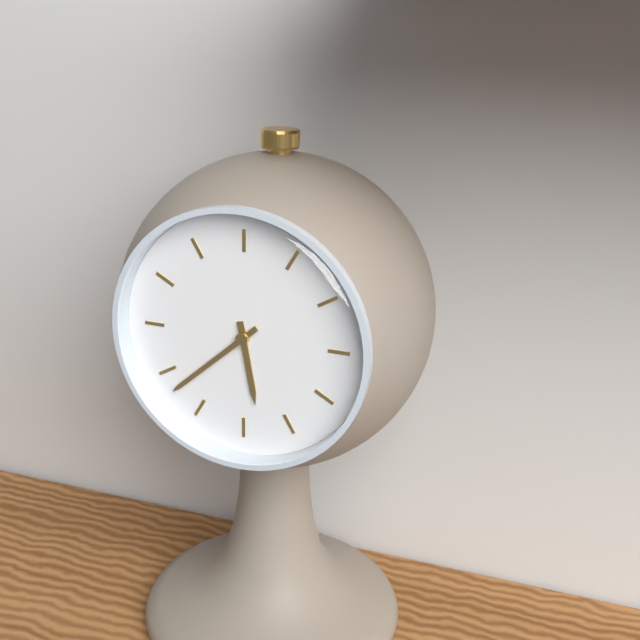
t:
5h38
